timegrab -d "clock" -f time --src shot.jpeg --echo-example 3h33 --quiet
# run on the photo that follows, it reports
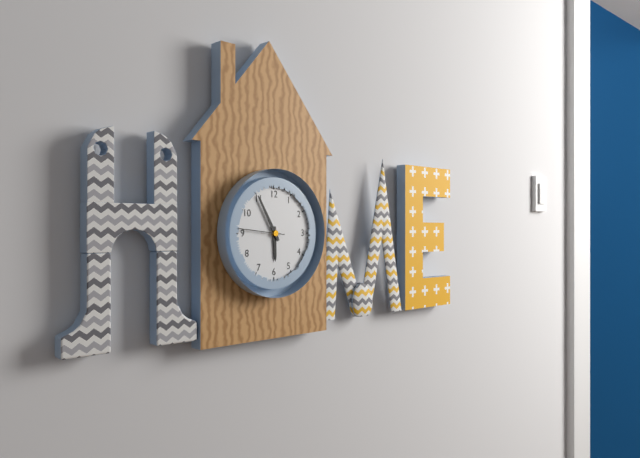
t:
5h55
